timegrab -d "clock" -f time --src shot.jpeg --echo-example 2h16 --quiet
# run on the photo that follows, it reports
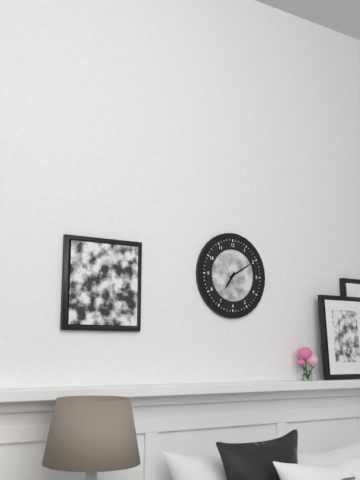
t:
7h10
